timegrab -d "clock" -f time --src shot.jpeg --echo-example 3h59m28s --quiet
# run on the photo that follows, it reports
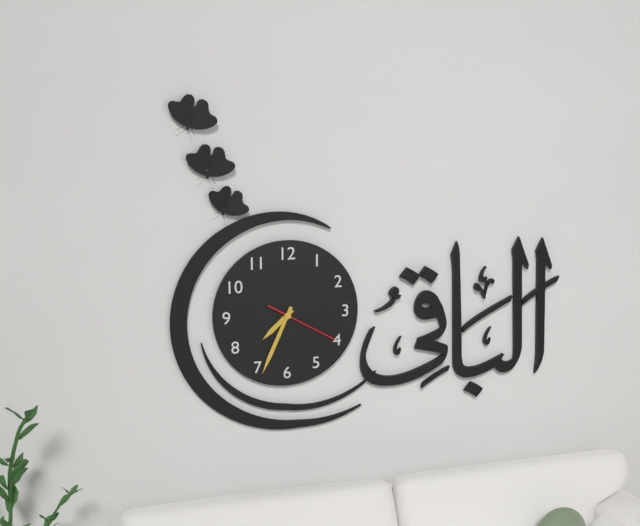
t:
7h34m20s
